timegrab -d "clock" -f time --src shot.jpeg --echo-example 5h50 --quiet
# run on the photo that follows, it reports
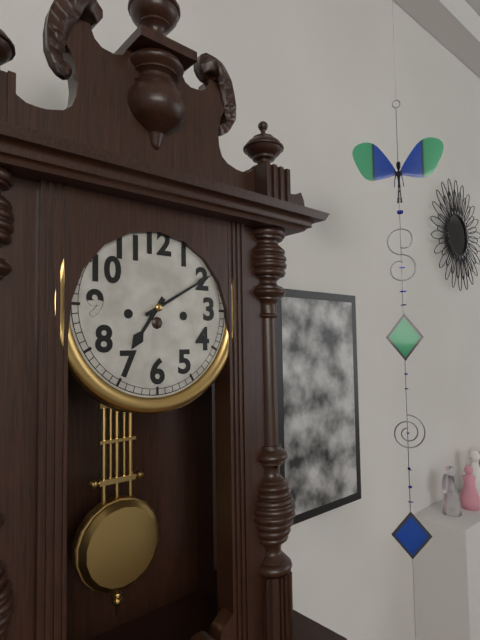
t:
7h10
